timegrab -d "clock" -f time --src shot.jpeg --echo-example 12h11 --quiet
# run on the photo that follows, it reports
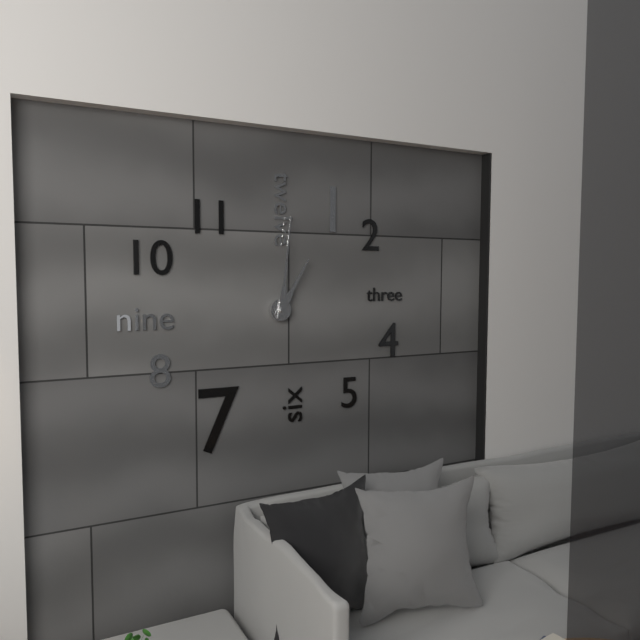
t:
1h01
